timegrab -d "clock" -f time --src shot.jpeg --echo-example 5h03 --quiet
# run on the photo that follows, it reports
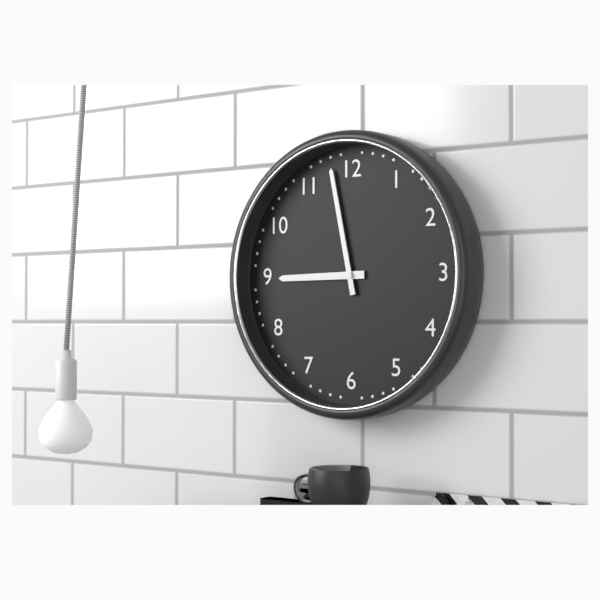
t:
8h58
